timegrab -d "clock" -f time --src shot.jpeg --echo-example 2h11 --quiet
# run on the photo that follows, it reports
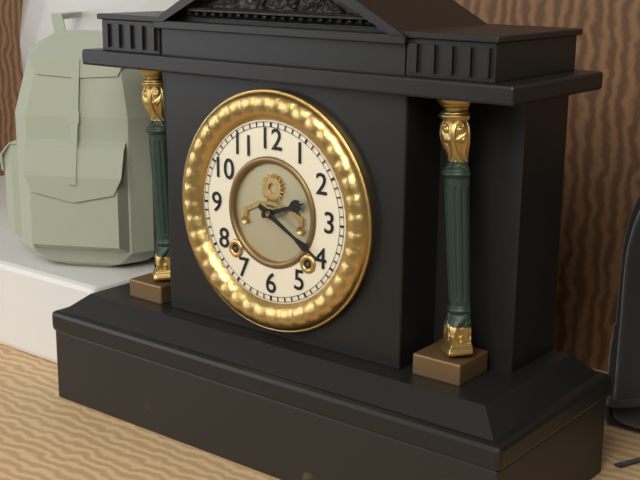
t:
2h20
